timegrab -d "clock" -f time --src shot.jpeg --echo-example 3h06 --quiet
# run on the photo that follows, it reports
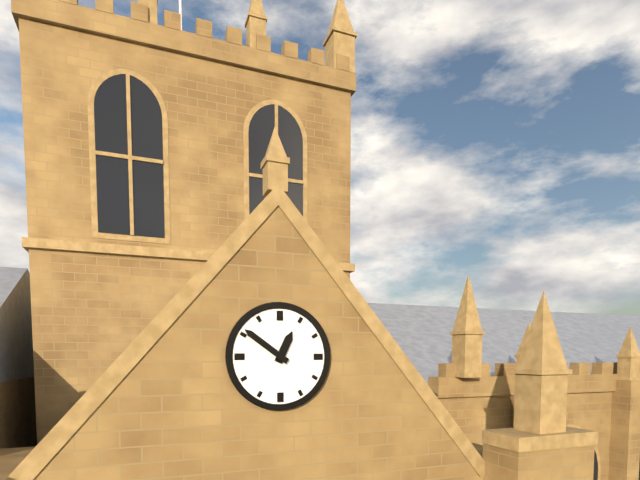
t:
12h51
